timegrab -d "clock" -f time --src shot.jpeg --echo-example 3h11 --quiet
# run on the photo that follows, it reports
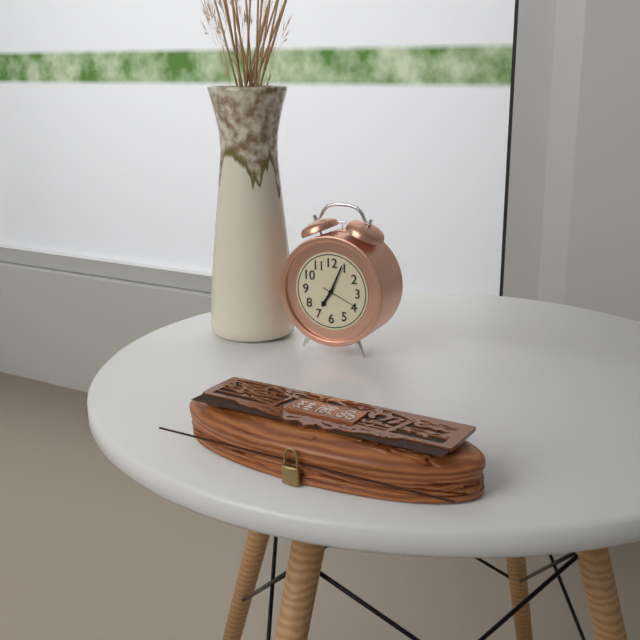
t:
7h04
